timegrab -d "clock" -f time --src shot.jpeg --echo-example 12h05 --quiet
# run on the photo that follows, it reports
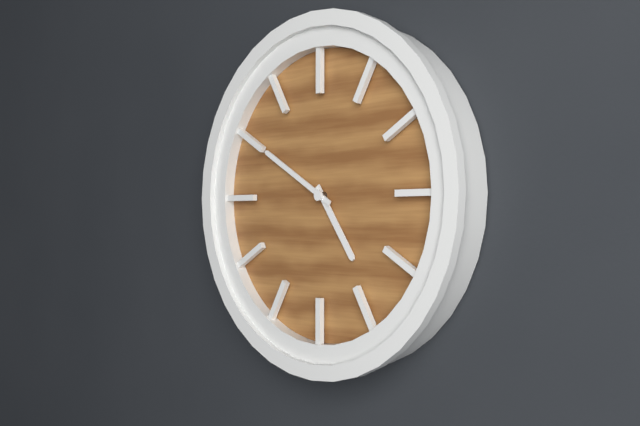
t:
4h50
